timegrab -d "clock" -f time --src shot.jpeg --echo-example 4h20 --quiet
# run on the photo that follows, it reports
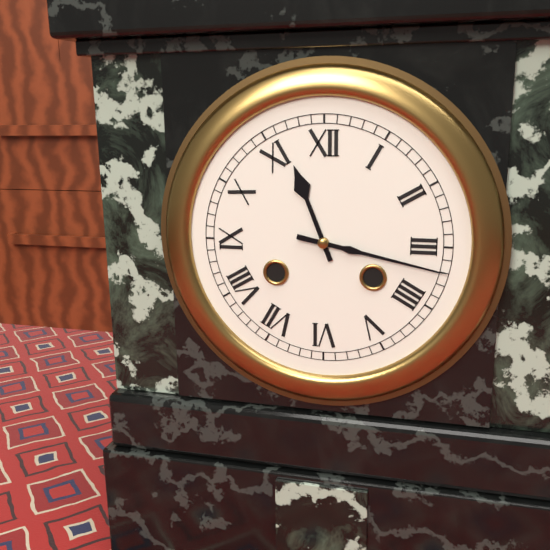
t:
11h17
